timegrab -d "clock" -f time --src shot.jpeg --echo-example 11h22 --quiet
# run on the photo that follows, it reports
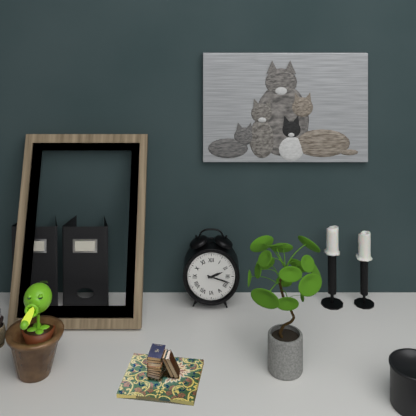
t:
2h18
